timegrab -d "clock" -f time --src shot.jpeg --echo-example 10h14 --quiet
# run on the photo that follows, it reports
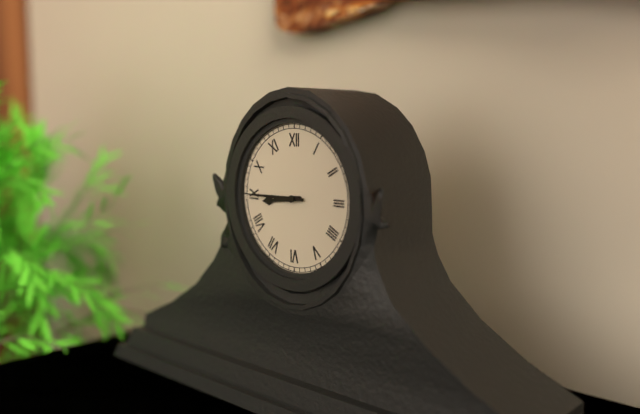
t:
8h45
